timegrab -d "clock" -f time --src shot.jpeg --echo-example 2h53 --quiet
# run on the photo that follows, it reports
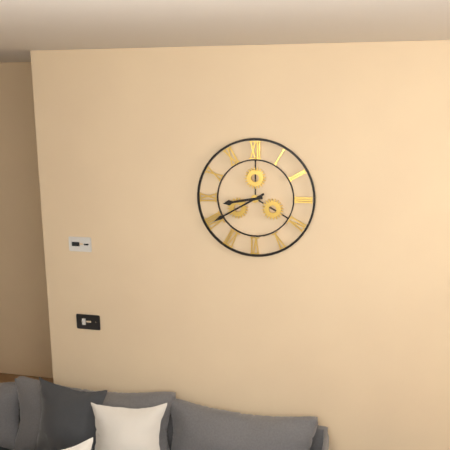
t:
8h40
